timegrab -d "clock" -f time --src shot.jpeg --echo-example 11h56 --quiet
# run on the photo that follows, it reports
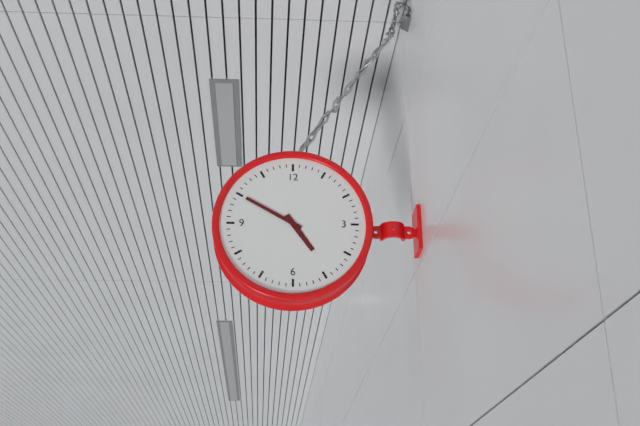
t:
4h50
